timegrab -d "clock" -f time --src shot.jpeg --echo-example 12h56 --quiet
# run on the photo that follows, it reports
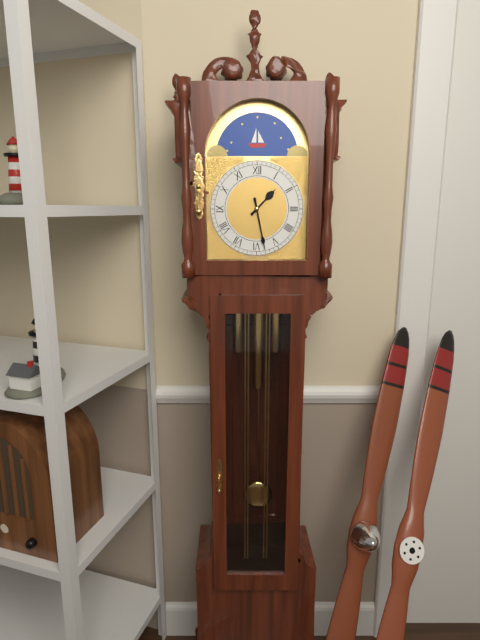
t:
1h28
